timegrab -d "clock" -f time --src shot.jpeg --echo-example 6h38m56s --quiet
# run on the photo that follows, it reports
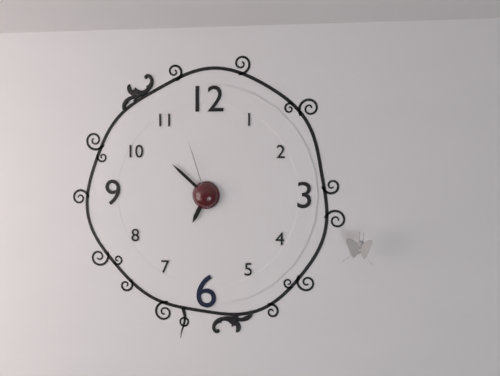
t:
6h52m57s
